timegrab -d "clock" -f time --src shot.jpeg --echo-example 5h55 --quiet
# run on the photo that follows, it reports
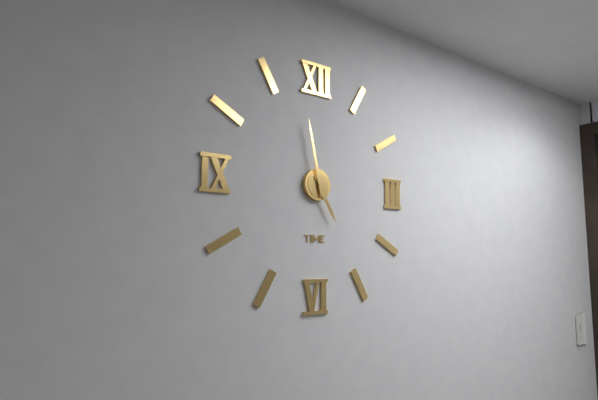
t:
4h58
